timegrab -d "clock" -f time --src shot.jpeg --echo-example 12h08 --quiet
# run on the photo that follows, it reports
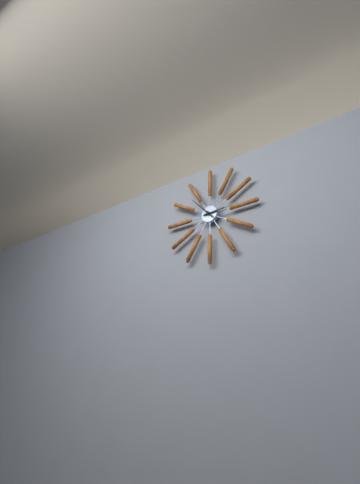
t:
2h53
